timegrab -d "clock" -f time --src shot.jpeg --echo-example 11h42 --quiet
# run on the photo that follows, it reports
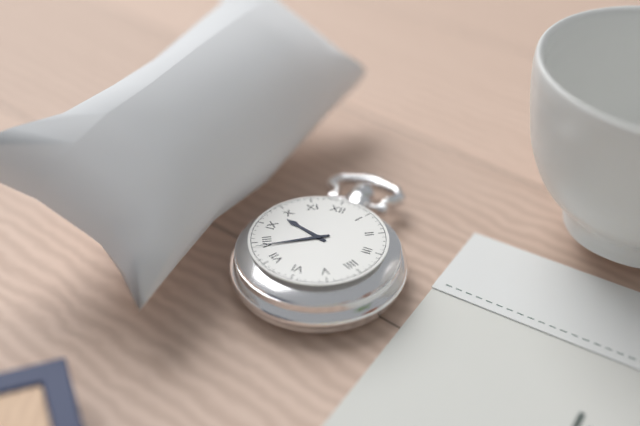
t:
9h39
